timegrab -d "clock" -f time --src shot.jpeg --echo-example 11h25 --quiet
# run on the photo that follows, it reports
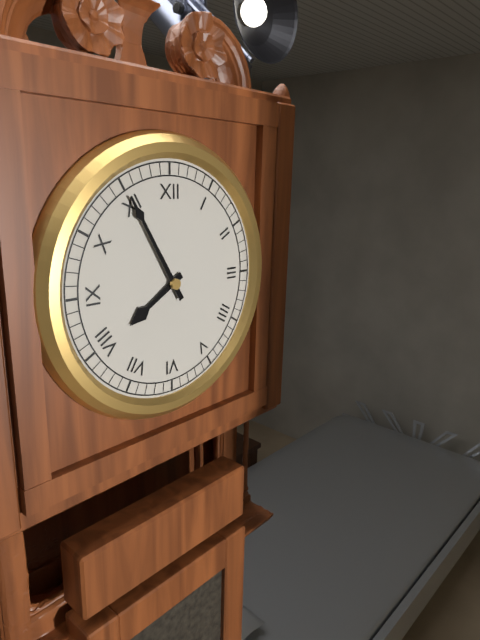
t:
7h55
